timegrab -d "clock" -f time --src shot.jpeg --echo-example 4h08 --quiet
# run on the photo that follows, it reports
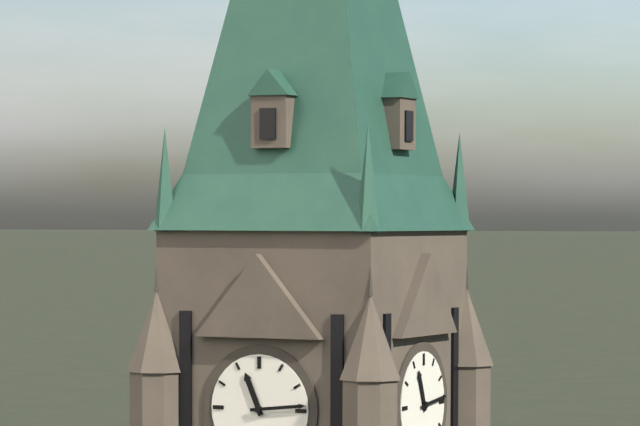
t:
11h14
